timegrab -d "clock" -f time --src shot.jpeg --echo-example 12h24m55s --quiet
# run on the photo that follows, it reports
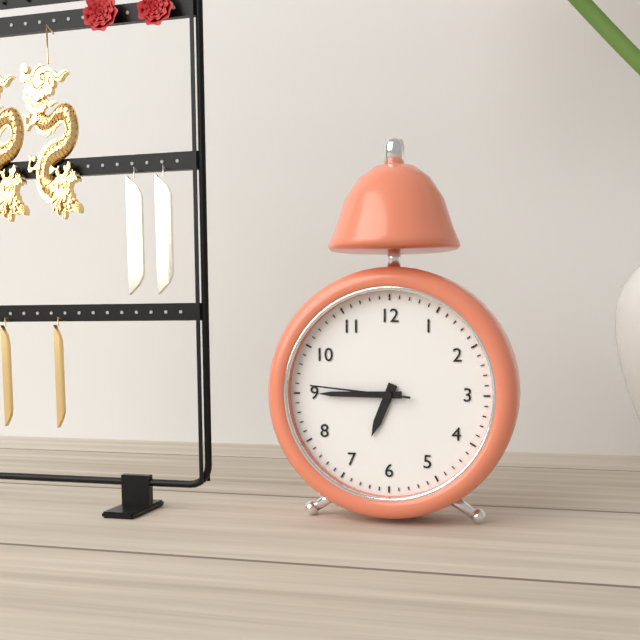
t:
6h45m46s
